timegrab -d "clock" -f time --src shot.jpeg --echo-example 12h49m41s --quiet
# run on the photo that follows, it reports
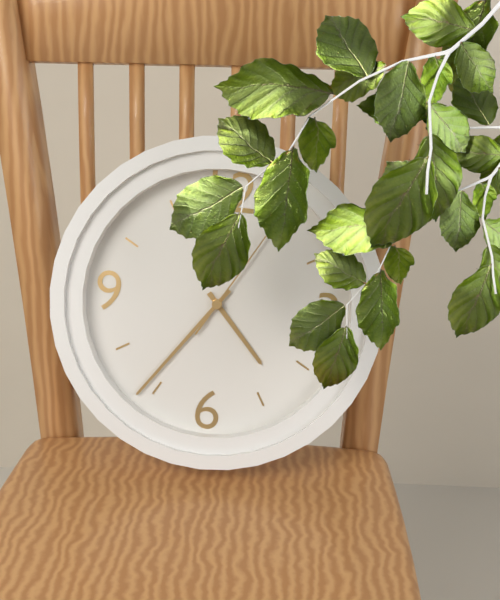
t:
4h36m05s
